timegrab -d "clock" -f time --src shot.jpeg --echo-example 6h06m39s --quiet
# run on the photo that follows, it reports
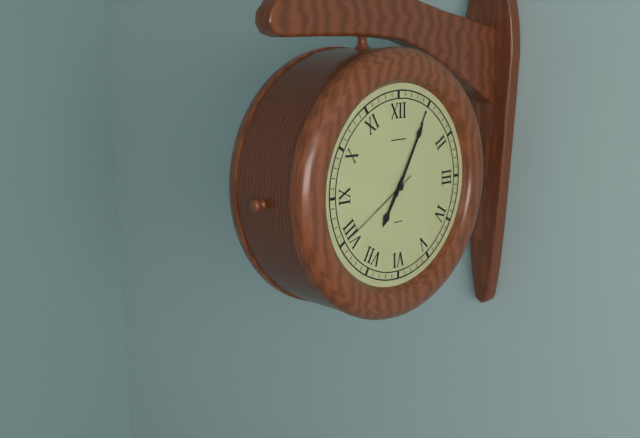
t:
7h05m40s
